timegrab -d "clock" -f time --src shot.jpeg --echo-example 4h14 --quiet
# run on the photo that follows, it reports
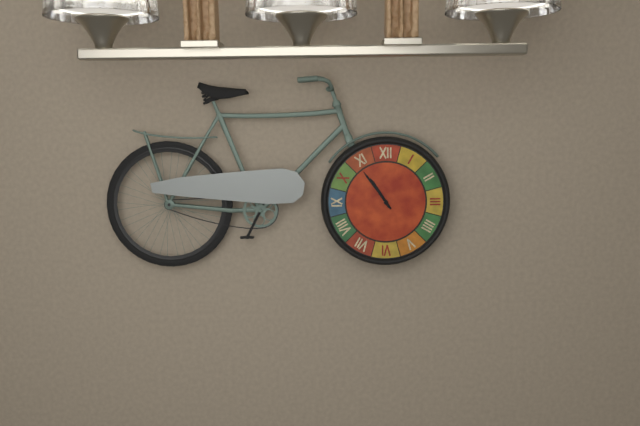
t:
10h54
